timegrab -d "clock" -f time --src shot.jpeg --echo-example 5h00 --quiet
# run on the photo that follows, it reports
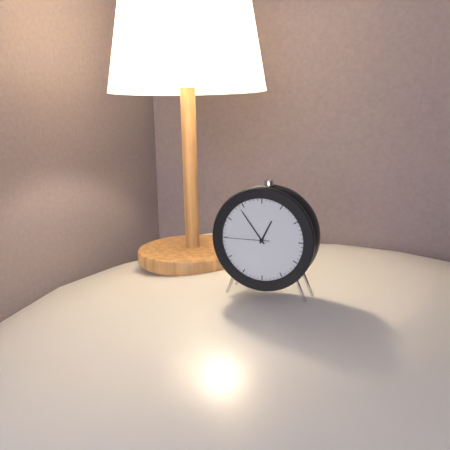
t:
12h54
